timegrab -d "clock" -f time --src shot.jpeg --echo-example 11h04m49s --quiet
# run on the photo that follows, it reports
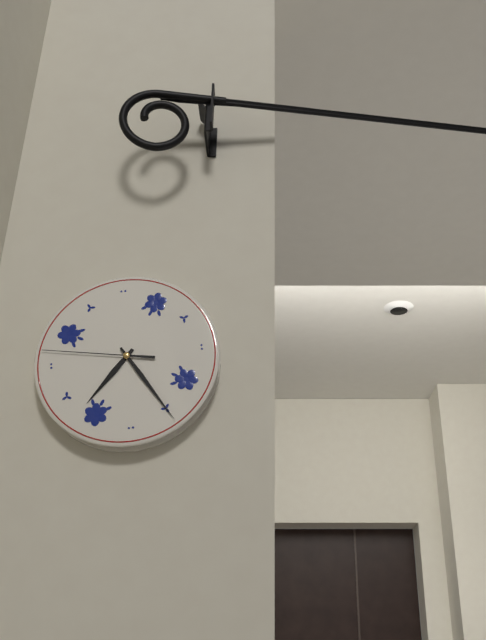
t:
7h25m47s
